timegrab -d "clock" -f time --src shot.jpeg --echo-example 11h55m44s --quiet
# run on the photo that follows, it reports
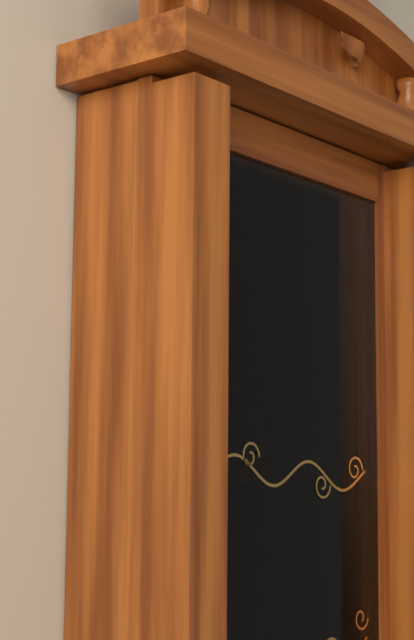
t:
2h15m13s
